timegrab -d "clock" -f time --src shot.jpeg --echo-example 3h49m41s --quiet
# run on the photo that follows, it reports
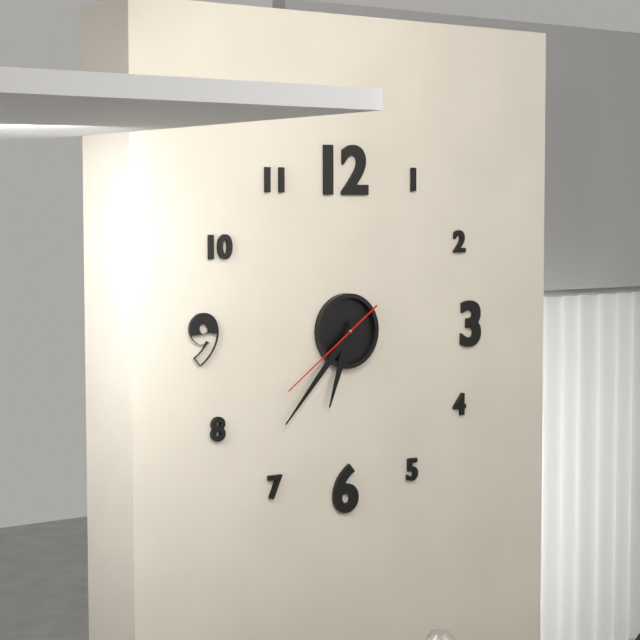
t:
6h37m39s
